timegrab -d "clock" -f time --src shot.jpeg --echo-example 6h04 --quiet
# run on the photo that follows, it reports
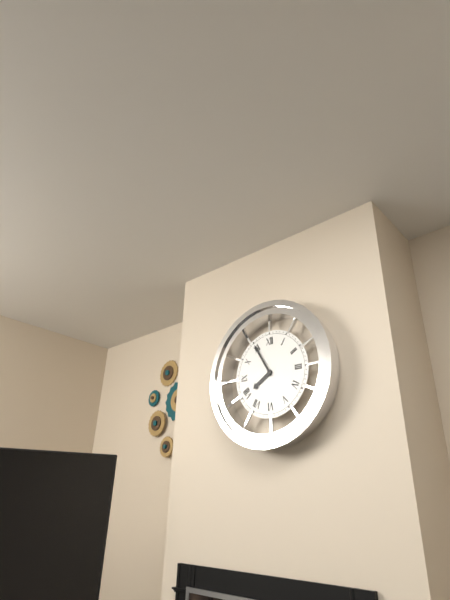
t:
7h55
